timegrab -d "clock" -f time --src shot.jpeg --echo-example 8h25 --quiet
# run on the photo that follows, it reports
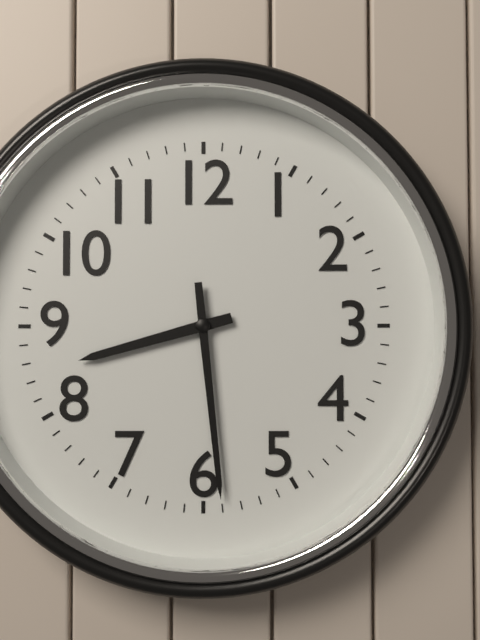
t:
8h29
